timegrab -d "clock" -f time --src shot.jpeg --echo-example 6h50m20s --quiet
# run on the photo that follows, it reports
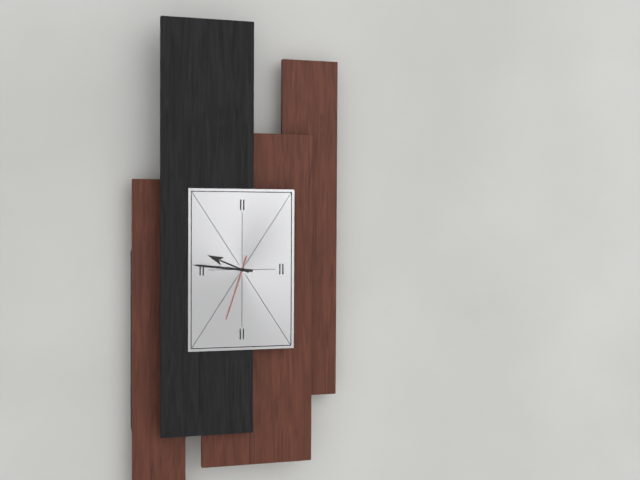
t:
9h46m33s
